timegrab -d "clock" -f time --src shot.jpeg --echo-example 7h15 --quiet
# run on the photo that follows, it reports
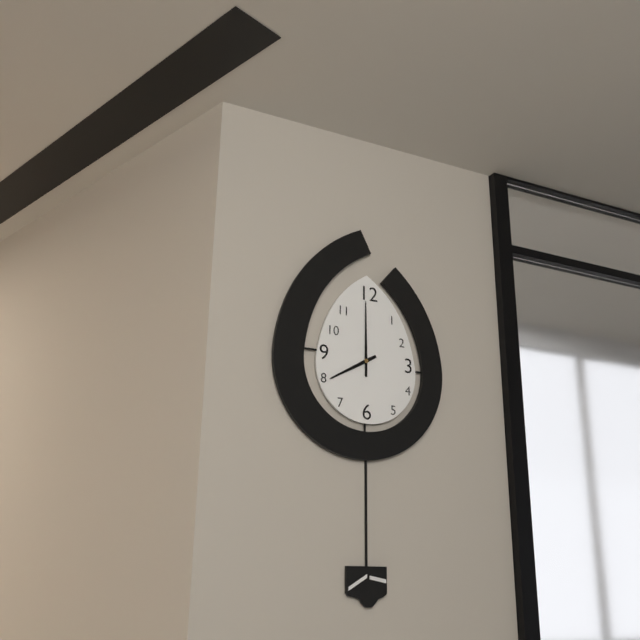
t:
8h00
